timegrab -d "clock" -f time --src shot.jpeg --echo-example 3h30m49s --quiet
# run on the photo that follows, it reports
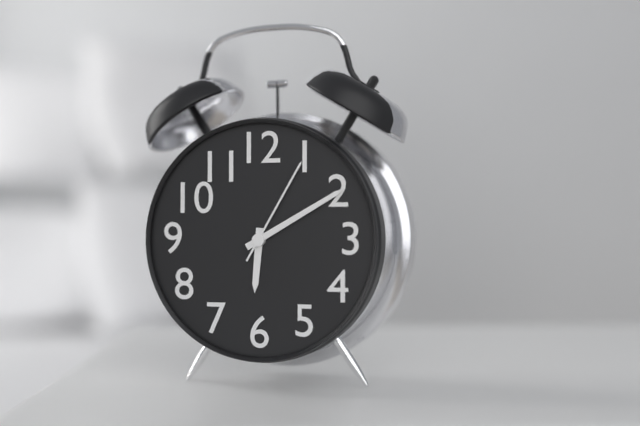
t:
6h10m05s
